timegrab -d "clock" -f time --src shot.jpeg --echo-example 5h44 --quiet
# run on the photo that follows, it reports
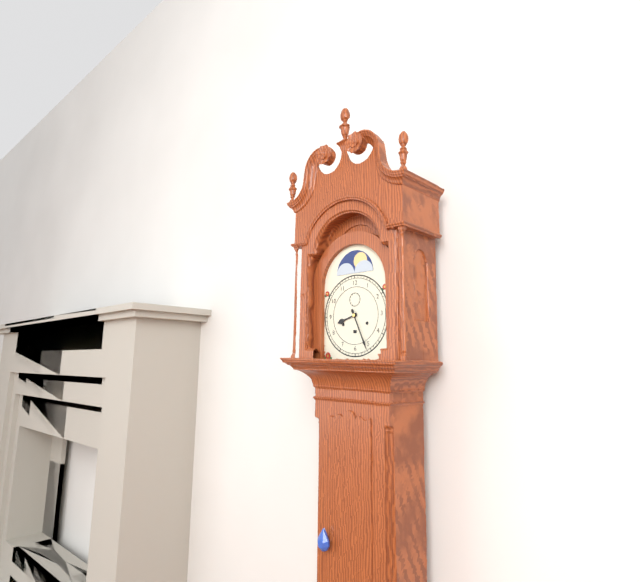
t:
8h26
